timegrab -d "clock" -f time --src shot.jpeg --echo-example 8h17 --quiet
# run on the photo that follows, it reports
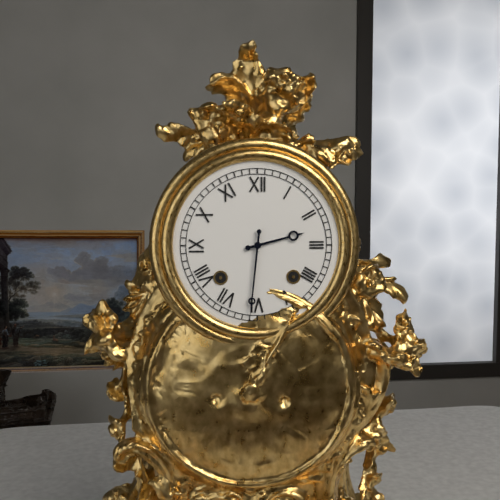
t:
2h31
